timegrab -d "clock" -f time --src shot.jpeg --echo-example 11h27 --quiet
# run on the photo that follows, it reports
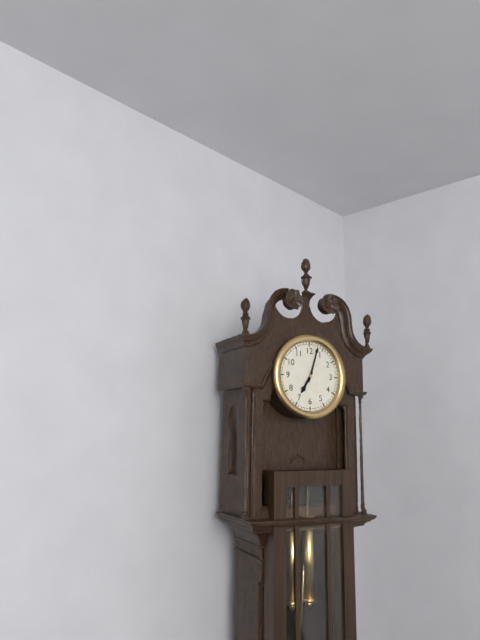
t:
7h03
